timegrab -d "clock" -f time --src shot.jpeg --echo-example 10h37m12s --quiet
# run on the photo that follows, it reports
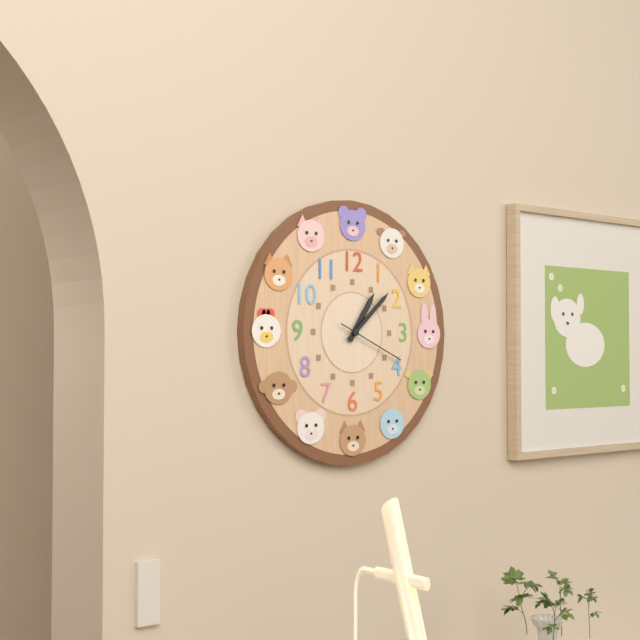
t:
1h08m19s
